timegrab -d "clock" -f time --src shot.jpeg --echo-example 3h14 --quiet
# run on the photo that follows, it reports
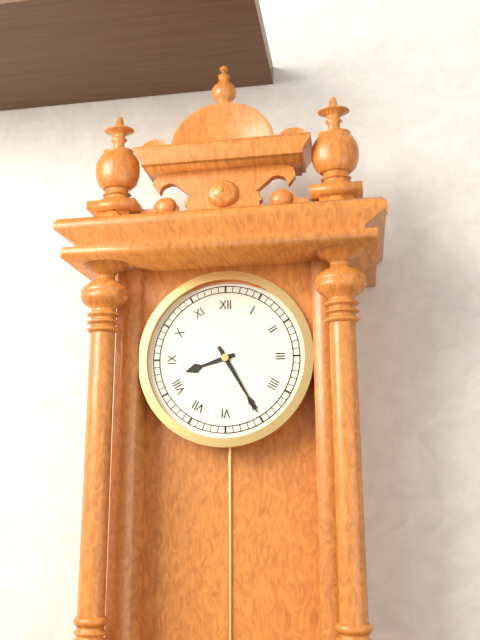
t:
8h25
